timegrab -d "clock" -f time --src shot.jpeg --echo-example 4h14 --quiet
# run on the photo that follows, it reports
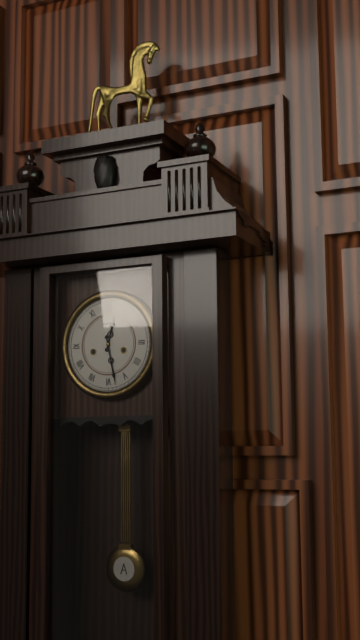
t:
12h28
